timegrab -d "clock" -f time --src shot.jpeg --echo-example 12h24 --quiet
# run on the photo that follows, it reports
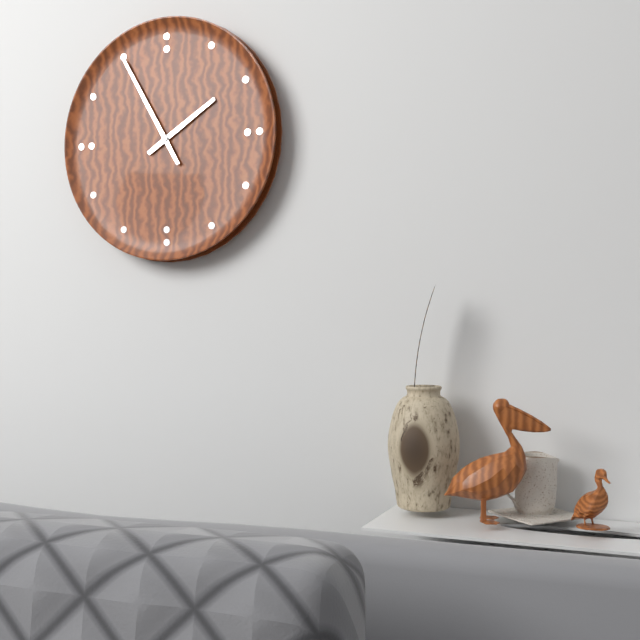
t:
1h55
